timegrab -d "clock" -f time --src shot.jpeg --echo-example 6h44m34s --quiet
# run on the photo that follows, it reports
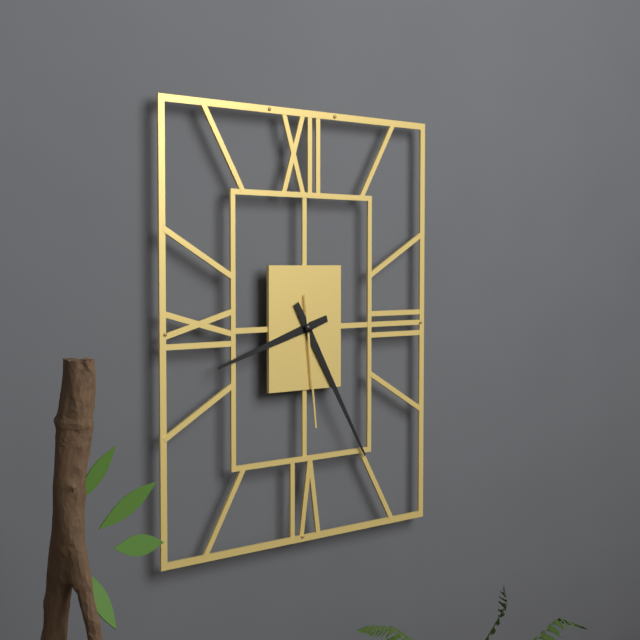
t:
8h25m29s
